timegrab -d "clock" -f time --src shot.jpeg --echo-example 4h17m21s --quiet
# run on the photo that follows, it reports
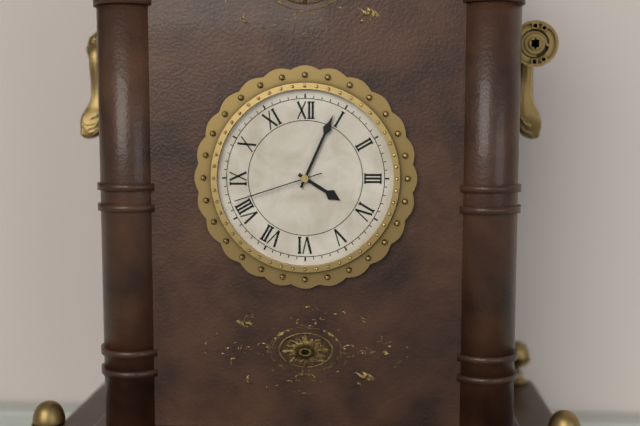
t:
4h04m42s
